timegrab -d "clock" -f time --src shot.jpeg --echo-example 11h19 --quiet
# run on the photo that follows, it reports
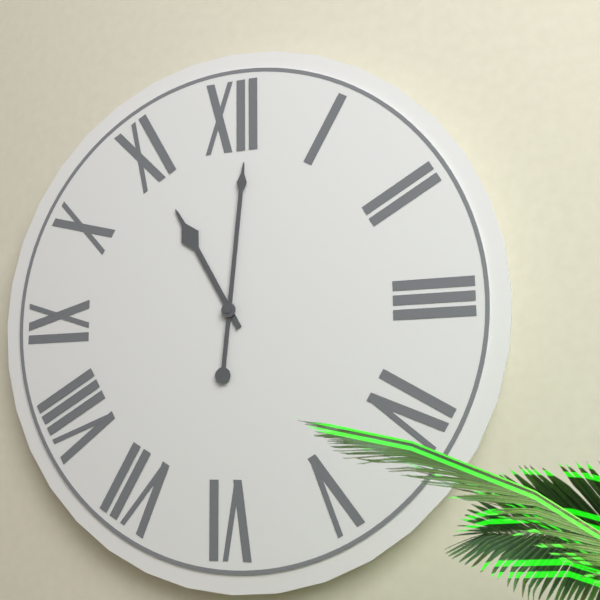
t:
11h01
